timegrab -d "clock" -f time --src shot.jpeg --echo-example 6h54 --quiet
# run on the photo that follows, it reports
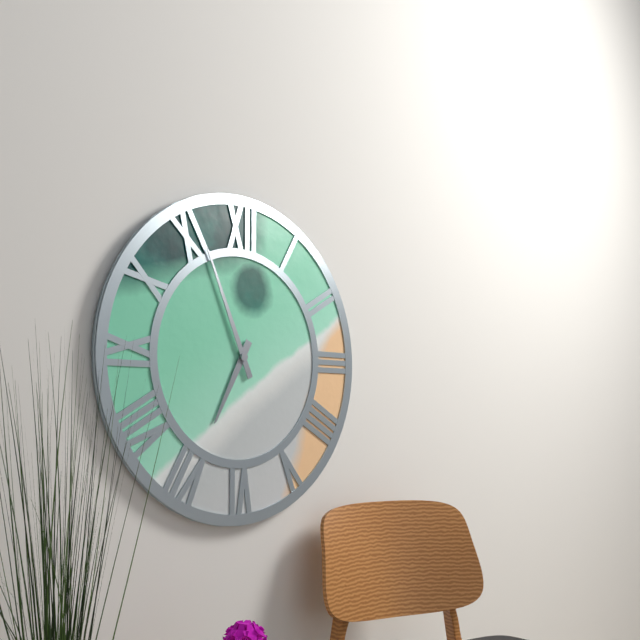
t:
6h56
